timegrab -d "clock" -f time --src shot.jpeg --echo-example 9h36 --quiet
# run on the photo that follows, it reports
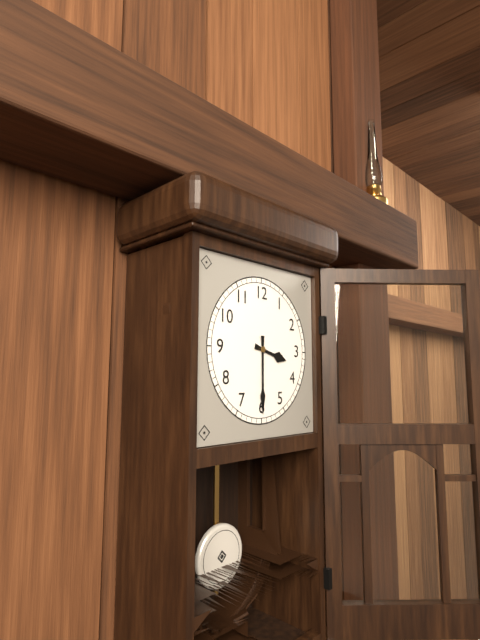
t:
3h30
